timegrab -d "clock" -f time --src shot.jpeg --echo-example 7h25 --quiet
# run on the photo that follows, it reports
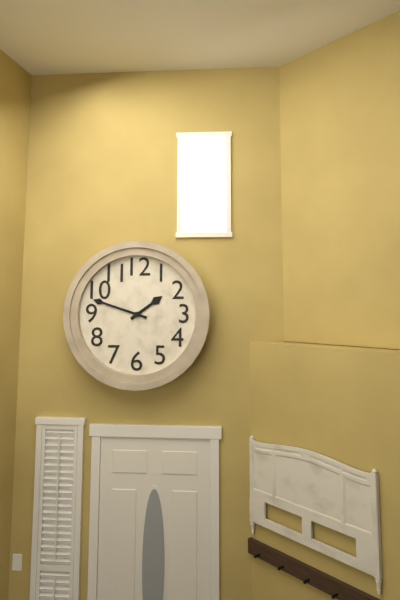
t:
1h48
